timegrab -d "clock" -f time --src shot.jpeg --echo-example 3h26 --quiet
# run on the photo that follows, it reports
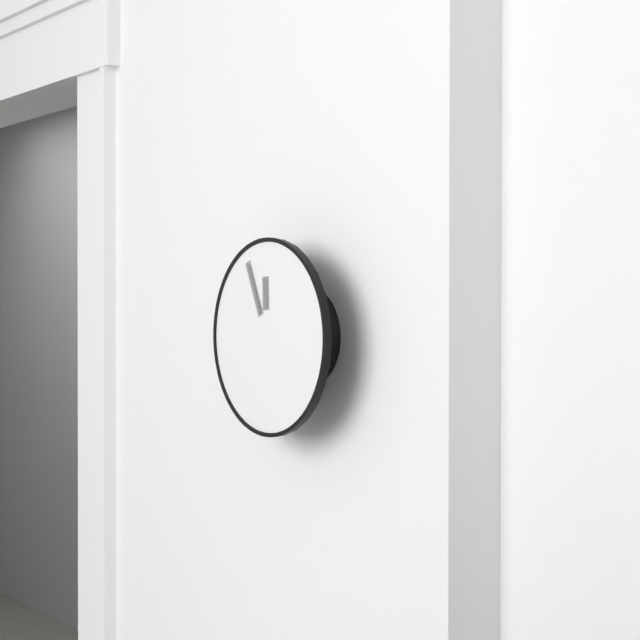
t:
11h56
